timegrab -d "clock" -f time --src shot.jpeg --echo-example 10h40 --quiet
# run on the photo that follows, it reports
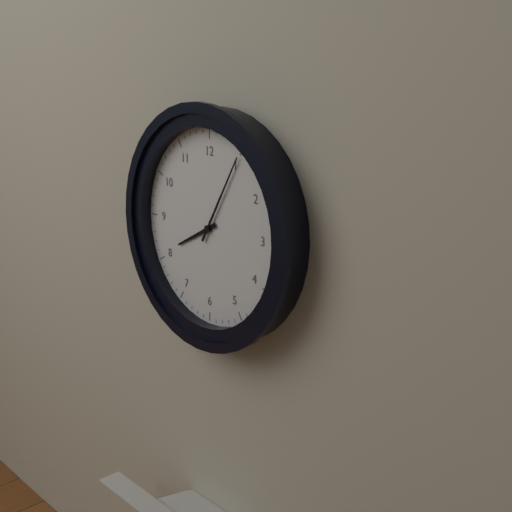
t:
8h05
